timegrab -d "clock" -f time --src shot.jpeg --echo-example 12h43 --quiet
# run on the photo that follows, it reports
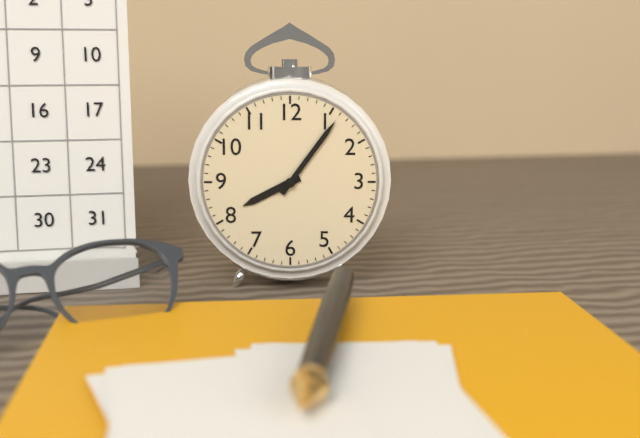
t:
8h06
